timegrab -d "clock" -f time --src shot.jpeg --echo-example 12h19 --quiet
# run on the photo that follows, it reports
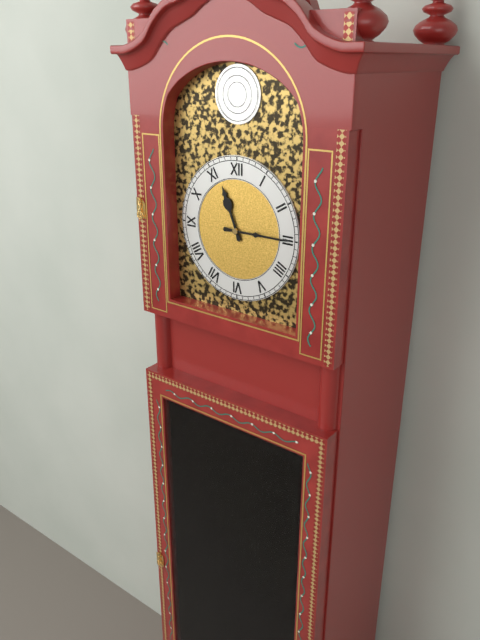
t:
11h15
